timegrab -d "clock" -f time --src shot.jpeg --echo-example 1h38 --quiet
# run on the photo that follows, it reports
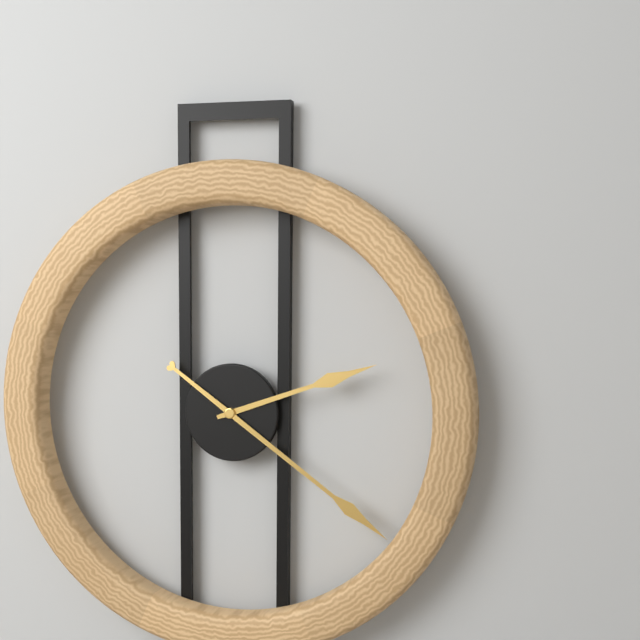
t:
2h21
